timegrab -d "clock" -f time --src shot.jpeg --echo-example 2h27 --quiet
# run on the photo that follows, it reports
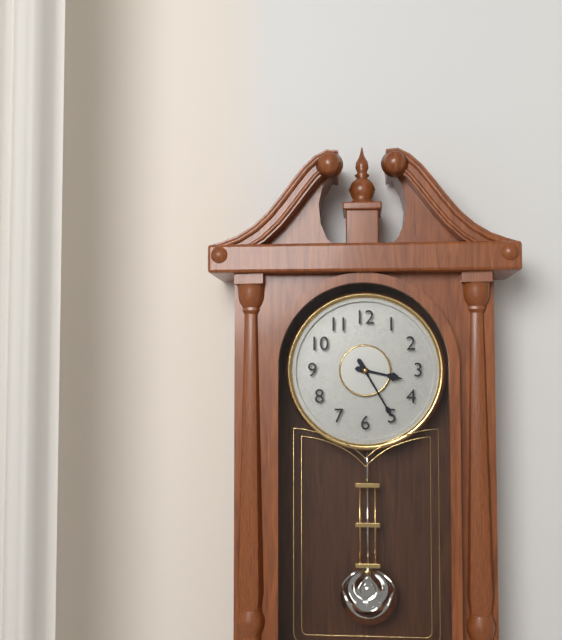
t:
3h25
